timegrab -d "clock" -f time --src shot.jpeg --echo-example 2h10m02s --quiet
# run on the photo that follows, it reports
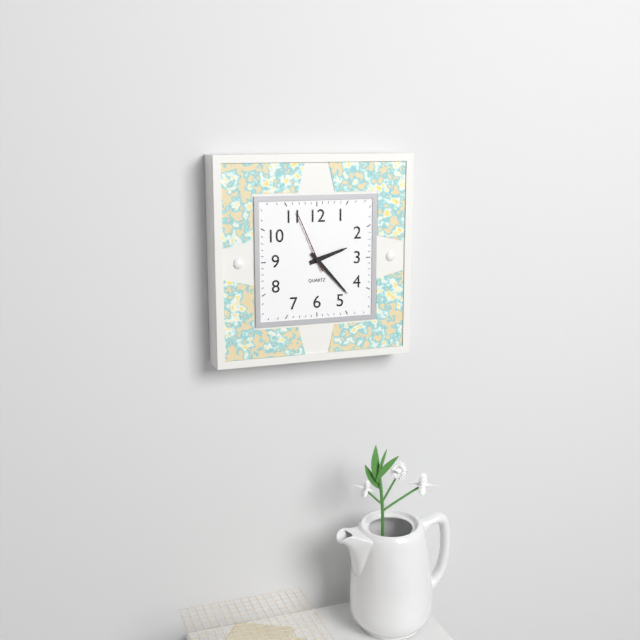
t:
2h23m56s
